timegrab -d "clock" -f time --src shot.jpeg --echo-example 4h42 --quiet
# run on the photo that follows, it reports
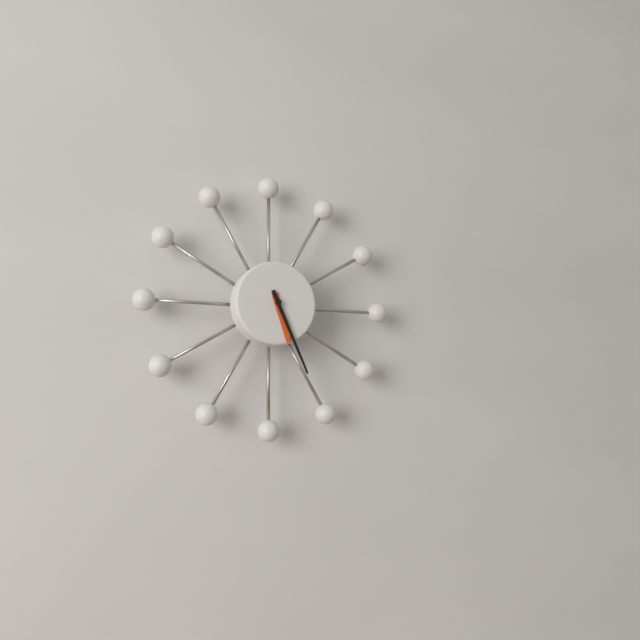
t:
5h26
